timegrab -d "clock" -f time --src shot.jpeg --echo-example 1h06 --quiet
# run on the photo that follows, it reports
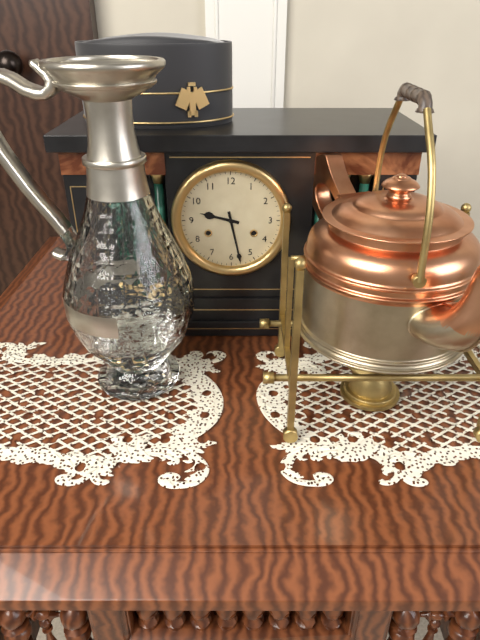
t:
9h28
